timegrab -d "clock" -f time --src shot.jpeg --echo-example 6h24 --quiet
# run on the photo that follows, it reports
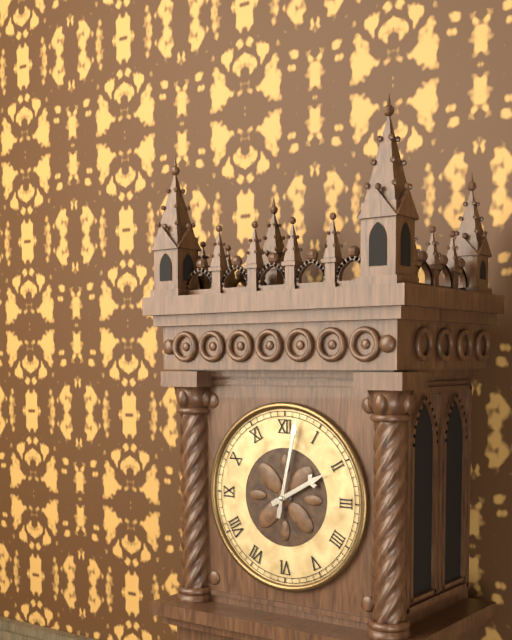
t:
2h02
